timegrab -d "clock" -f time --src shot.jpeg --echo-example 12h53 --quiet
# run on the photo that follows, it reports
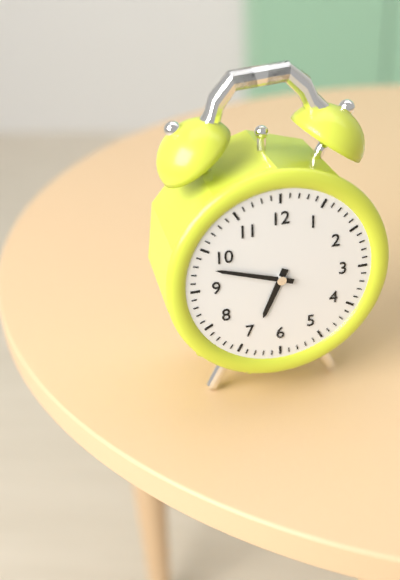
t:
6h48
